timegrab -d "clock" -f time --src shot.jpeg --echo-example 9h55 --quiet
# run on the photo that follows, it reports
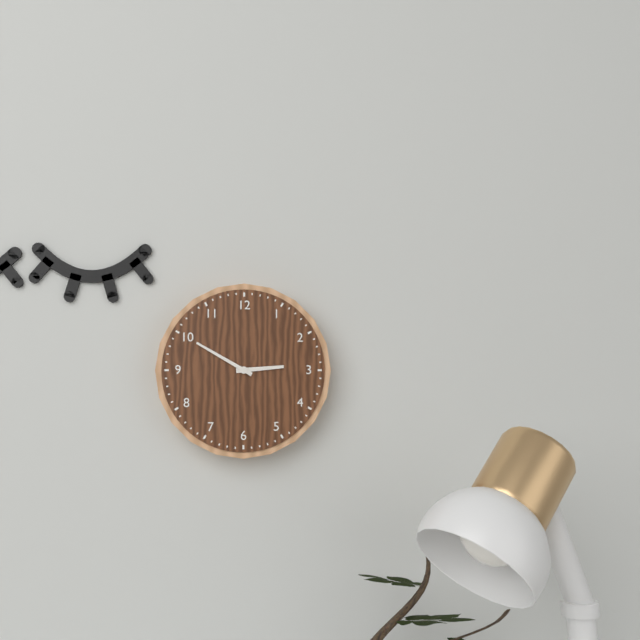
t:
2h50
